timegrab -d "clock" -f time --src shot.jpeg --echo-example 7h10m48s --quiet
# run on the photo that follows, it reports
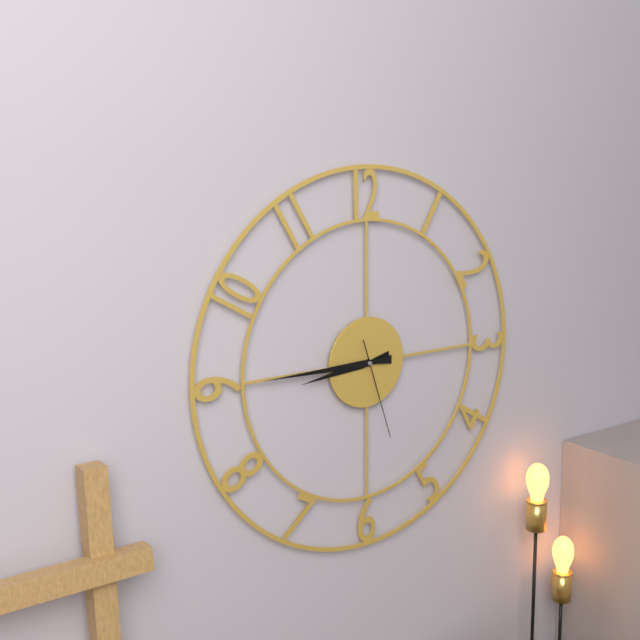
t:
8h45m27s
